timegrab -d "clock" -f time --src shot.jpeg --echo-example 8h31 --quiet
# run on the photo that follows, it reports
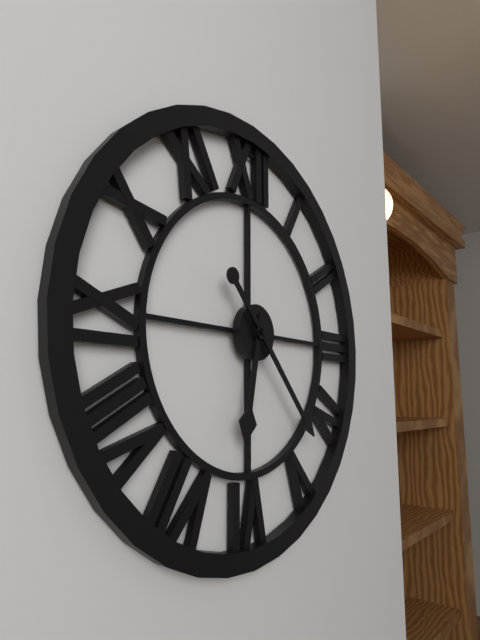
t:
6h23
